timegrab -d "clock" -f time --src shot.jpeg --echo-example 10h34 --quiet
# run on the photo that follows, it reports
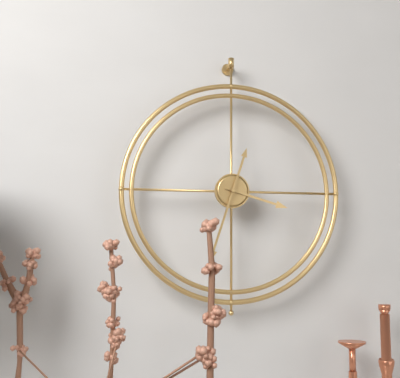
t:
3h33
